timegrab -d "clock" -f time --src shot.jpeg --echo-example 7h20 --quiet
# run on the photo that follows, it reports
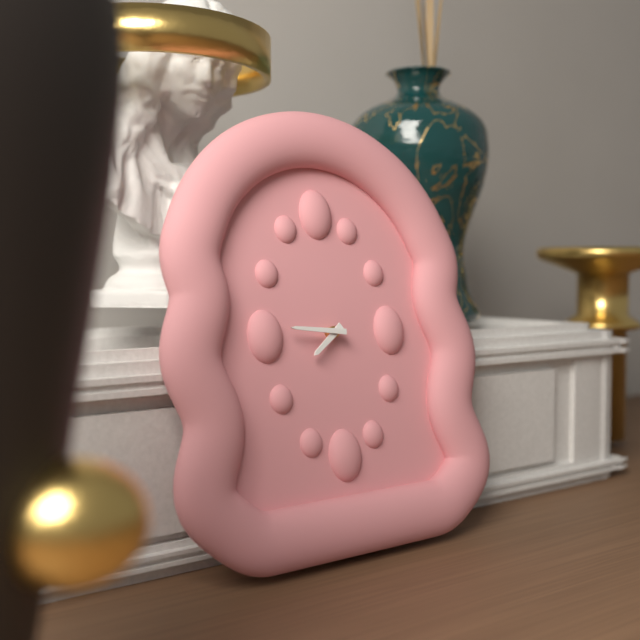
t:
7h46
